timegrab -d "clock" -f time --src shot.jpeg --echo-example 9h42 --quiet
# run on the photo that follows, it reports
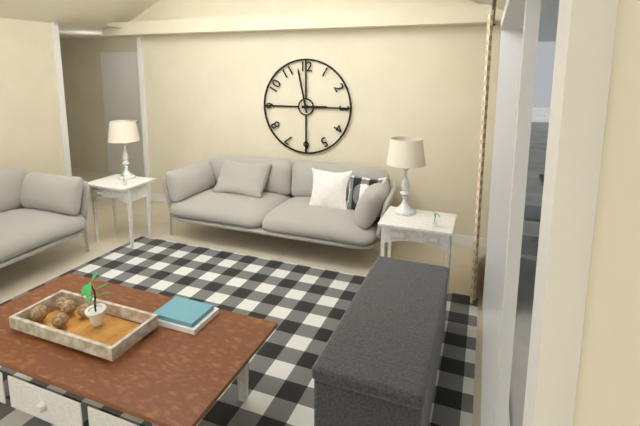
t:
2h58
